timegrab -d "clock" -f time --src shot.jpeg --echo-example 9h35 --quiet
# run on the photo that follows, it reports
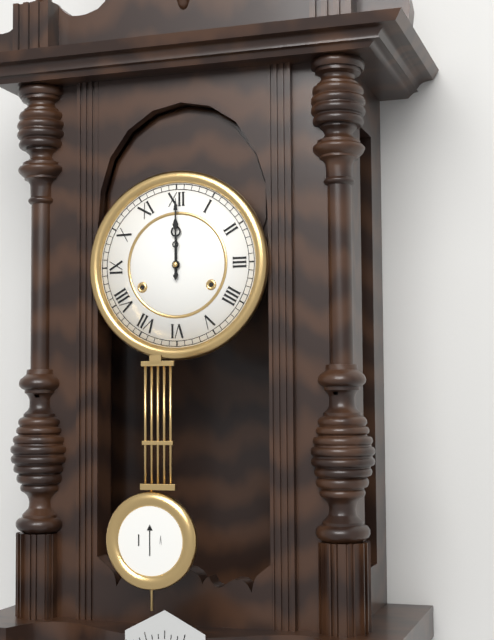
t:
12h00
